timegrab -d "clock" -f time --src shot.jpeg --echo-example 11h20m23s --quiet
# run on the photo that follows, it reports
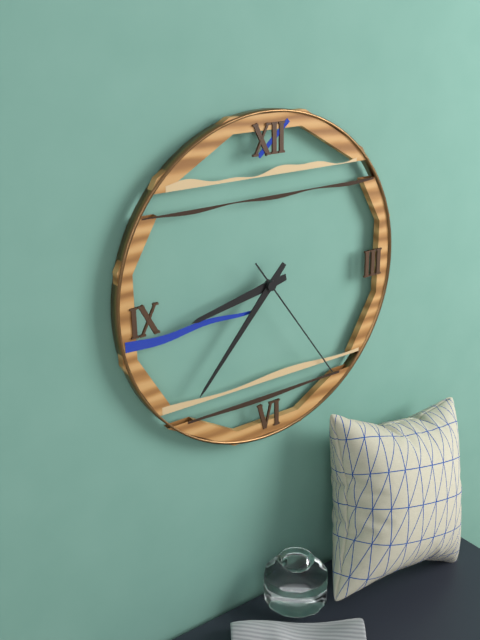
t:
8h37m24s
